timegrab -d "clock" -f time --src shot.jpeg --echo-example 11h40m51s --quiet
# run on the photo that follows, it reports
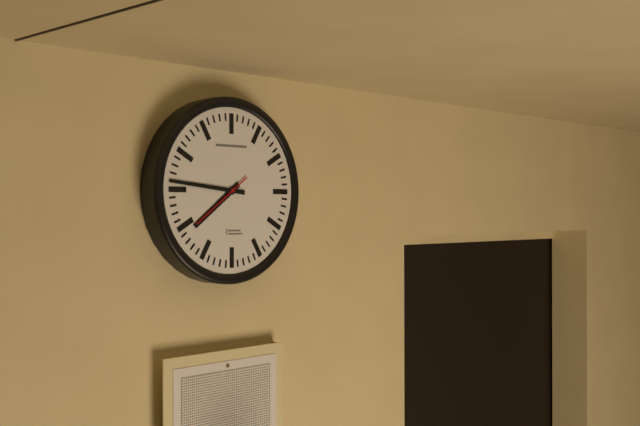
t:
7h46m39s
